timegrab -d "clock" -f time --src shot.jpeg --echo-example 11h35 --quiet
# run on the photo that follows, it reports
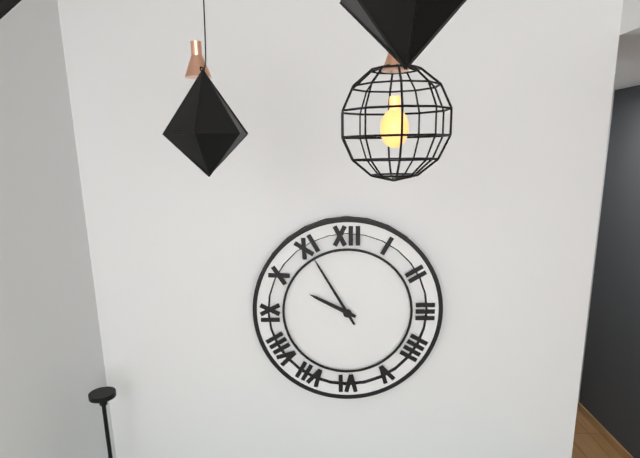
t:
9h55
